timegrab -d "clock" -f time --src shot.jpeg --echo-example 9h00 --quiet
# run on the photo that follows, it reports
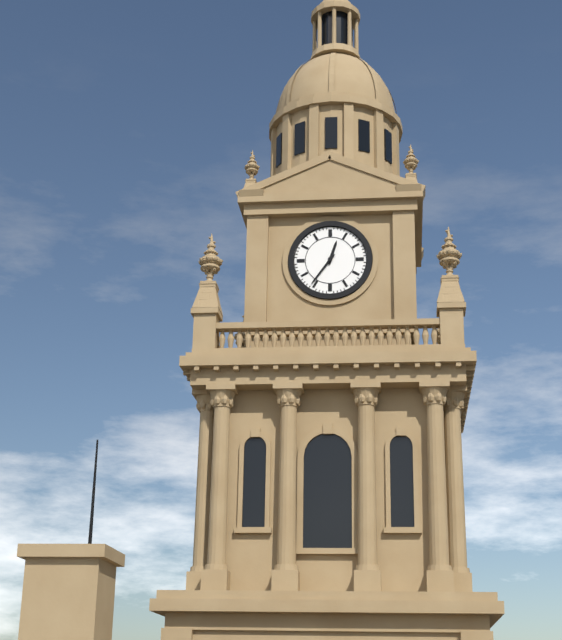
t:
12h36
